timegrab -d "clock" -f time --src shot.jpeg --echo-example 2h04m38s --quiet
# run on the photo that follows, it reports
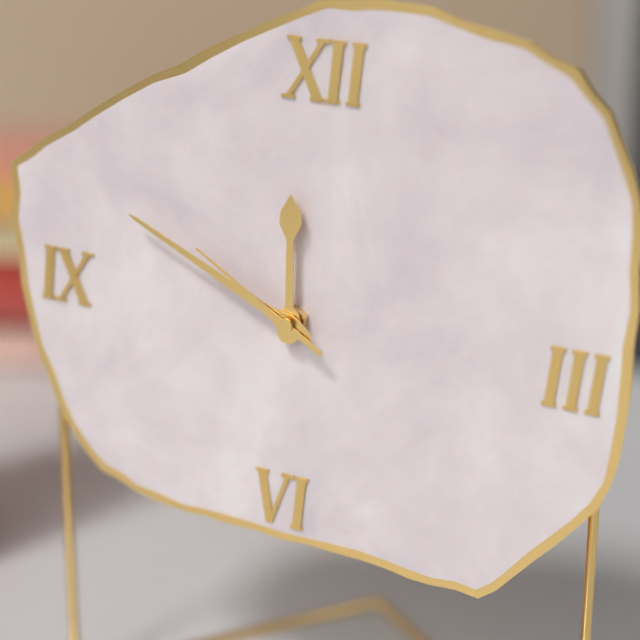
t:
11h49m50s
